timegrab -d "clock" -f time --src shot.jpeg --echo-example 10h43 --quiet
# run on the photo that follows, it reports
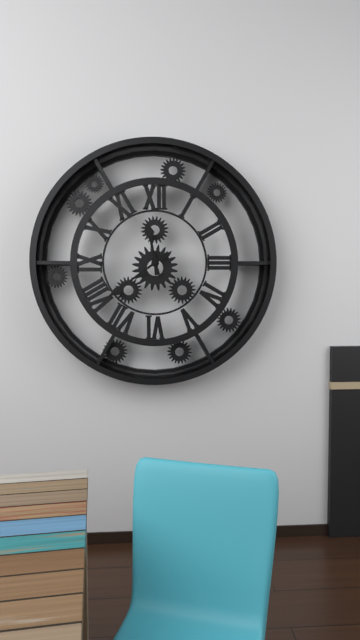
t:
11h39
